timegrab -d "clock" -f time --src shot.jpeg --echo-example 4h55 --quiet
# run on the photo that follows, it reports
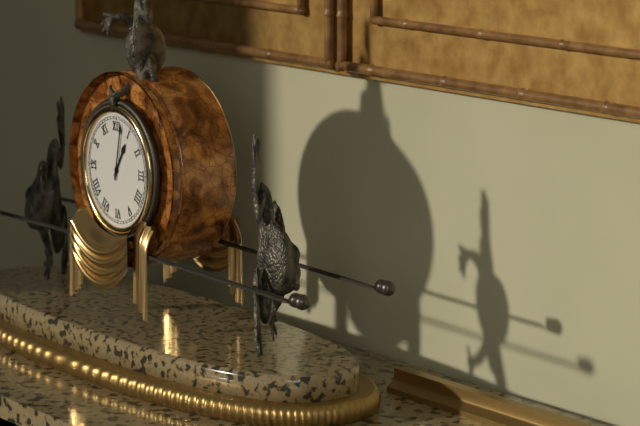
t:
1h02
